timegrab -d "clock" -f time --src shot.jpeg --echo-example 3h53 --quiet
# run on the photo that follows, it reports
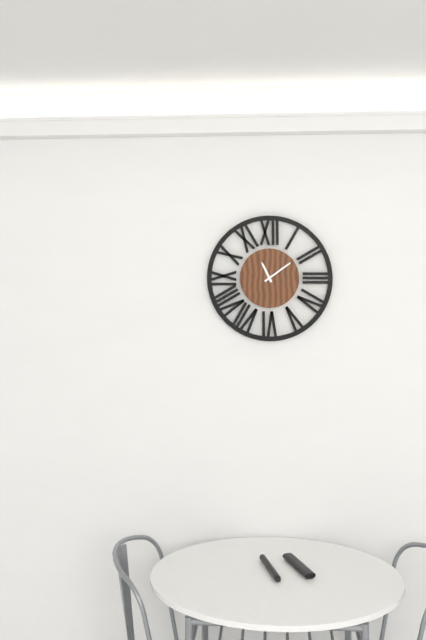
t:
11h09
